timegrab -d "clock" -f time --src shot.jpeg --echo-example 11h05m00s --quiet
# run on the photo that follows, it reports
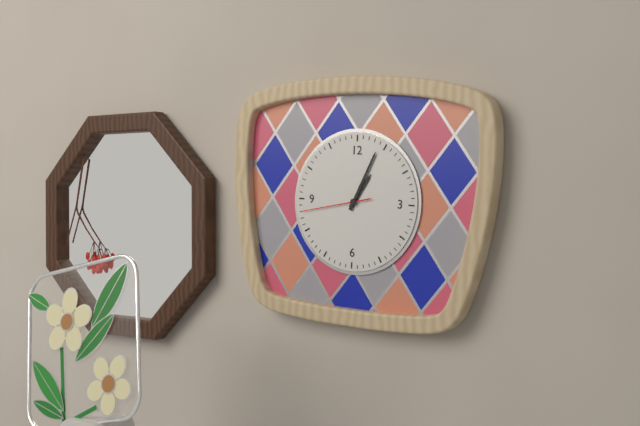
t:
1h04m43s
